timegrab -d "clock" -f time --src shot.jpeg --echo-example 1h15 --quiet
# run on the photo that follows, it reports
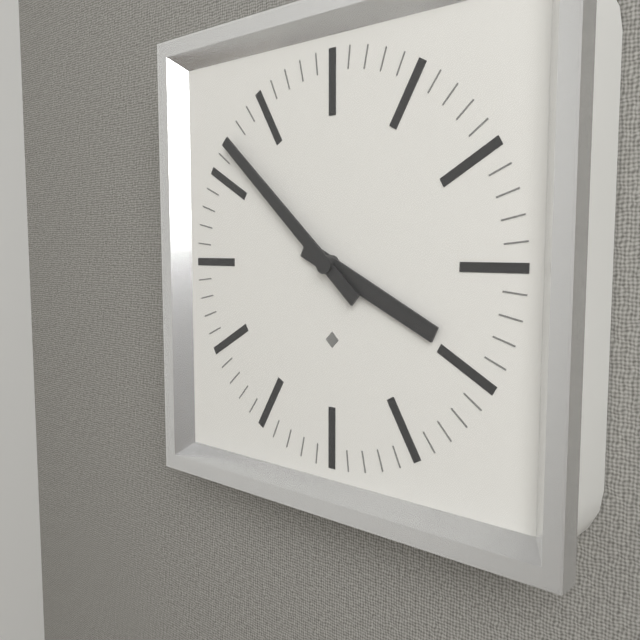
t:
3h52
